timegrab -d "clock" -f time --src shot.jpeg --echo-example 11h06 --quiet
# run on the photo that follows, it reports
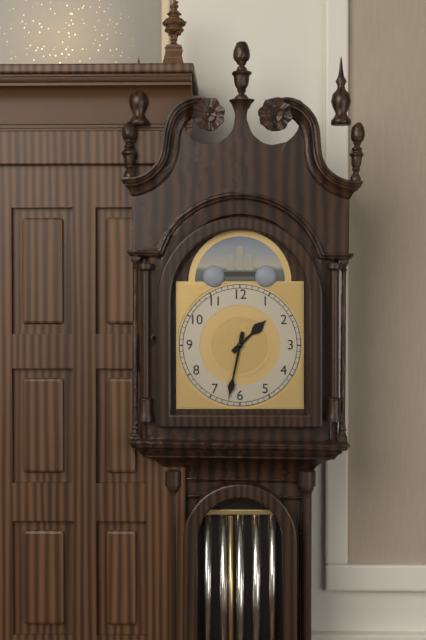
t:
1h32
